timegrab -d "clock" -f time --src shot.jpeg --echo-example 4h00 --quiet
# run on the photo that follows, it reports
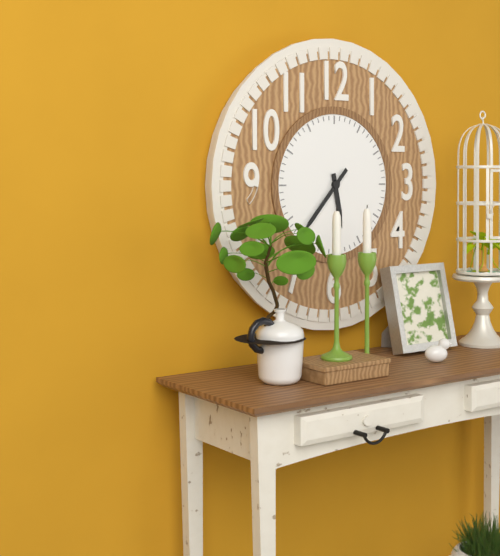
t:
5h37
